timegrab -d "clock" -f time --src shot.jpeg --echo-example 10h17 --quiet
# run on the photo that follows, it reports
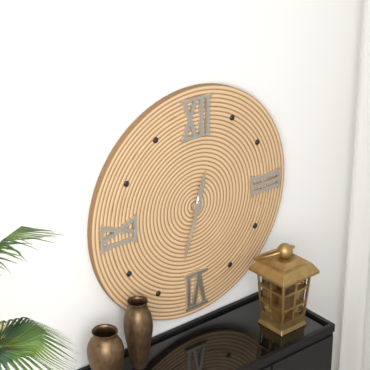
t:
12h33
